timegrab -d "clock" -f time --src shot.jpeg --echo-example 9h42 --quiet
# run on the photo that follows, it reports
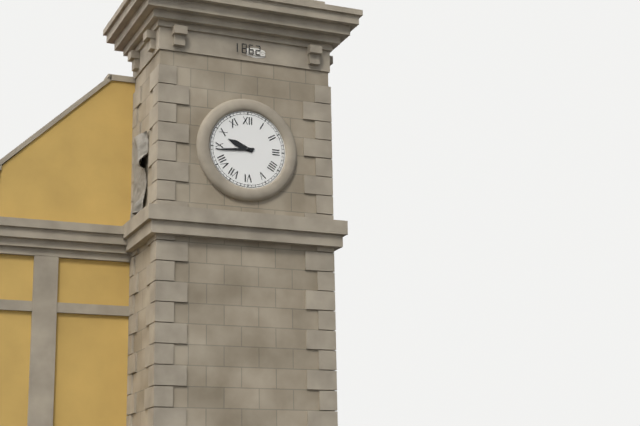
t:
9h44
